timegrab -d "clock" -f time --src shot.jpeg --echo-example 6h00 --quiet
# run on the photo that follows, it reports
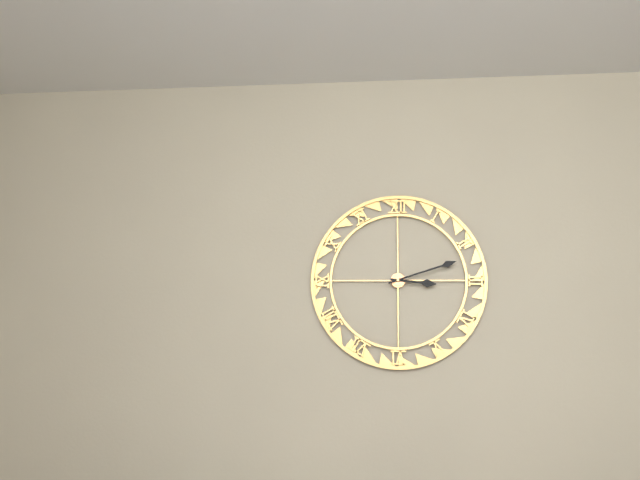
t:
3h12
